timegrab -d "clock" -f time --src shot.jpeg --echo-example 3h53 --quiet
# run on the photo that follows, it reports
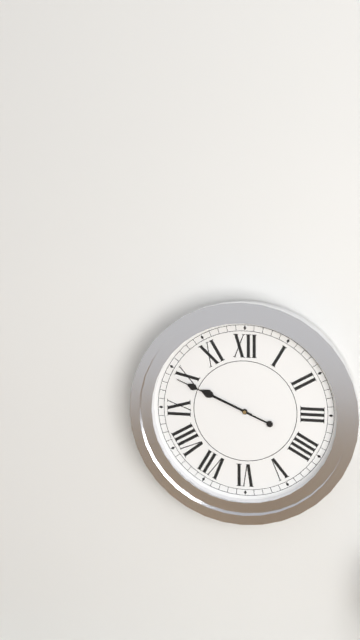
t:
9h49
